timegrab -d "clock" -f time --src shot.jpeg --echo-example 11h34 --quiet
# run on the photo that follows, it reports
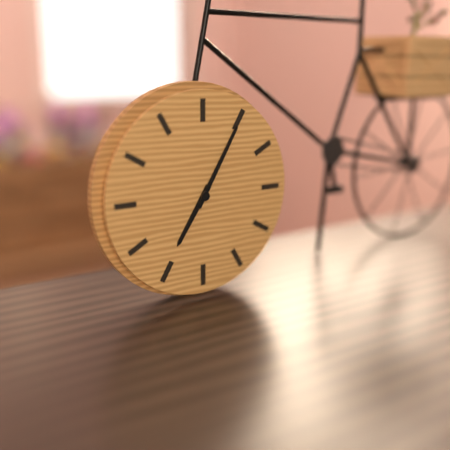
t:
7h05
